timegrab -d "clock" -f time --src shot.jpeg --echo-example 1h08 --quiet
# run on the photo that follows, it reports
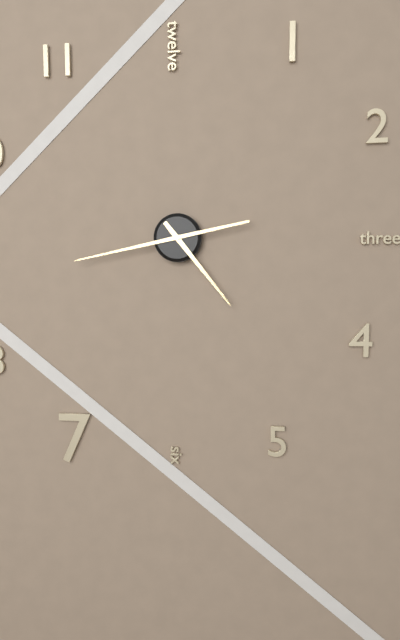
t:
4h43
